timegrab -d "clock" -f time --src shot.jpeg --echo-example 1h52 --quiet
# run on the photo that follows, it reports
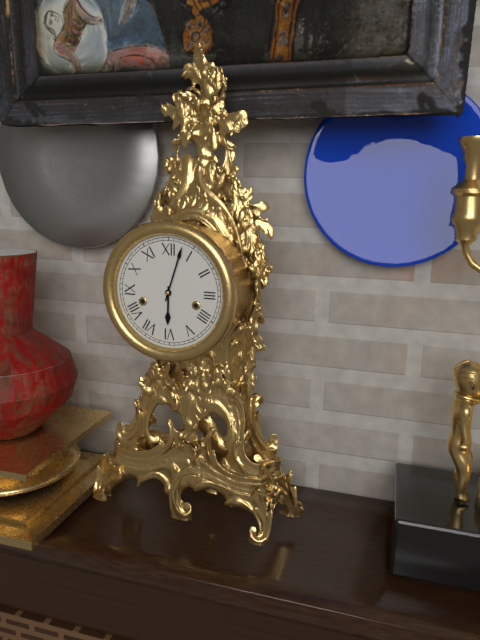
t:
6h03
